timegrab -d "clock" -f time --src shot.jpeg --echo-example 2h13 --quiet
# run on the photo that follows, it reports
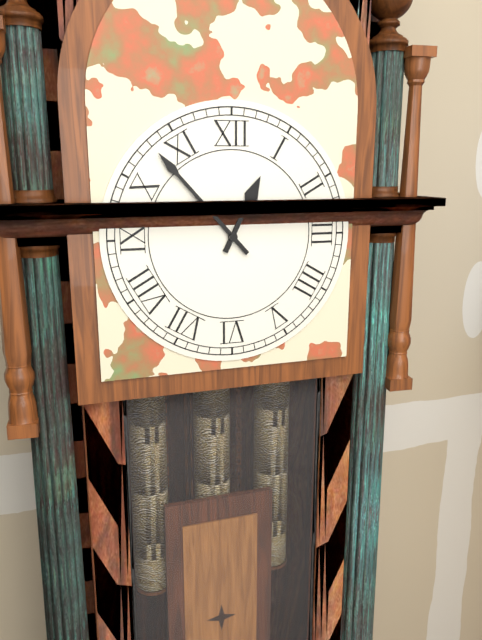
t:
12h53
